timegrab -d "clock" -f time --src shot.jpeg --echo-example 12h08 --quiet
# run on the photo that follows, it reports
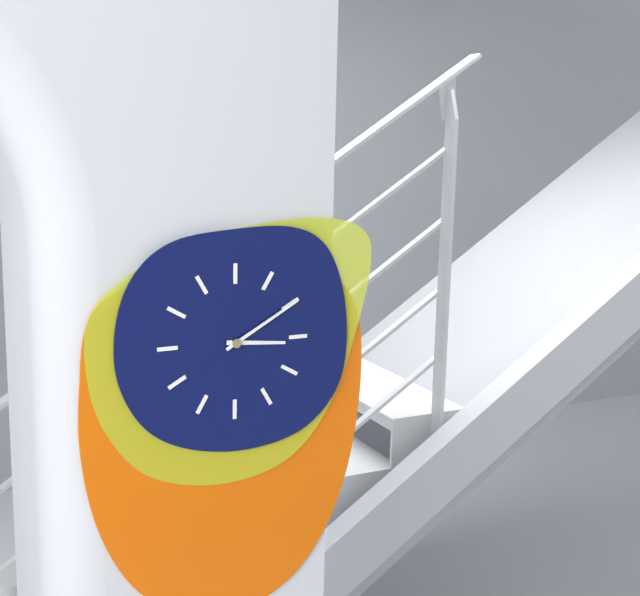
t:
3h10
